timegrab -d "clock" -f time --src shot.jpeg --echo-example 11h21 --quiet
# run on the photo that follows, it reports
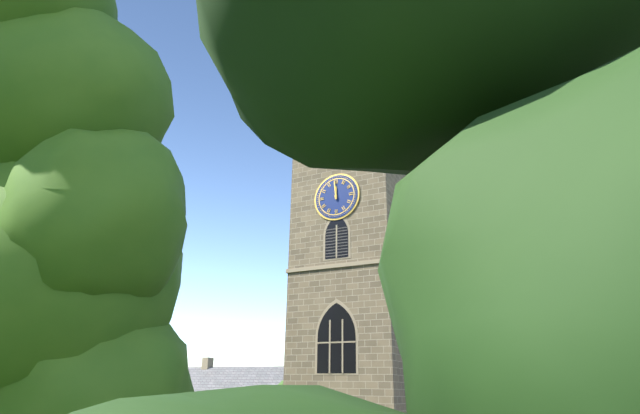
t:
11h59
